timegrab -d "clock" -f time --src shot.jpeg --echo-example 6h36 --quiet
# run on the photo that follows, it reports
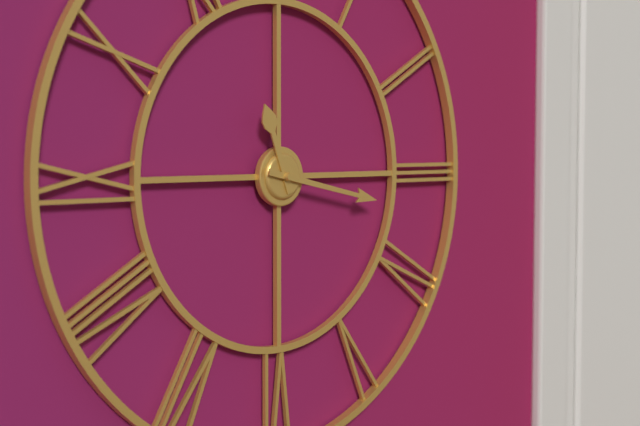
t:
11h17
